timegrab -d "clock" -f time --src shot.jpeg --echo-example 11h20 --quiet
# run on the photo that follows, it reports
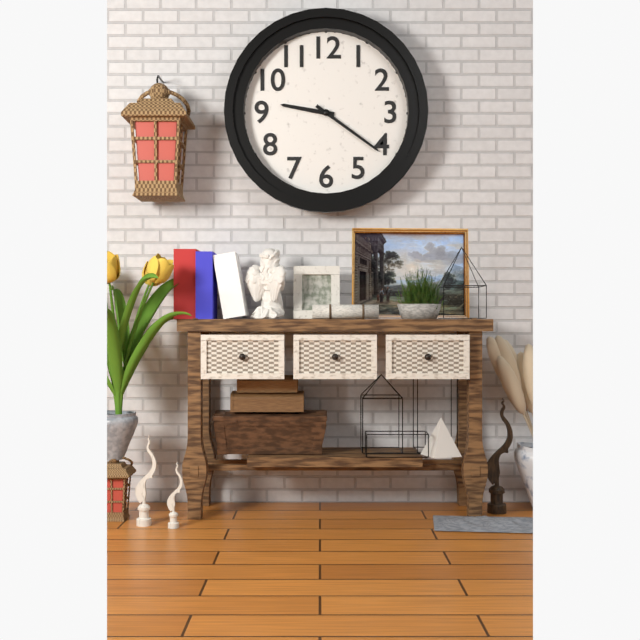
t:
9h21
